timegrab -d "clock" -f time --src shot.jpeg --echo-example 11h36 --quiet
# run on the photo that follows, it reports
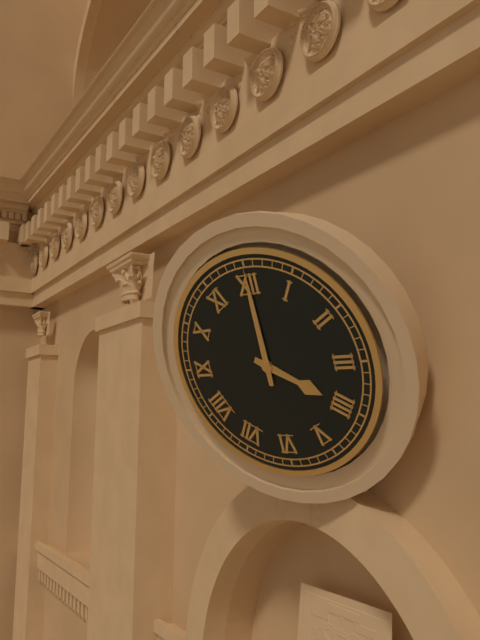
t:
4h00
